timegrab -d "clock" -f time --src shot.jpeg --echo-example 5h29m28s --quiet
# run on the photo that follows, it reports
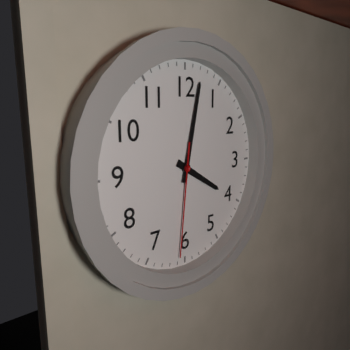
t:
4h02m31s
